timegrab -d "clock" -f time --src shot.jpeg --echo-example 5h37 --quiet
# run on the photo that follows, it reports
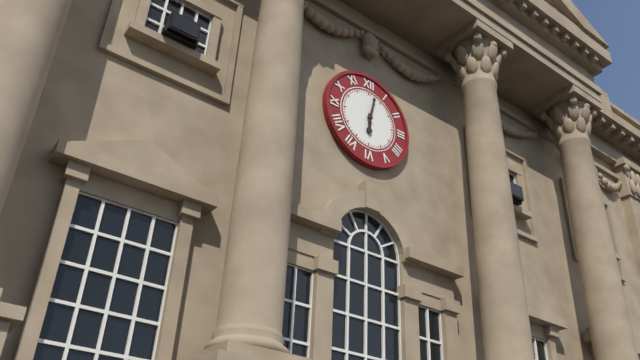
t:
6h02
